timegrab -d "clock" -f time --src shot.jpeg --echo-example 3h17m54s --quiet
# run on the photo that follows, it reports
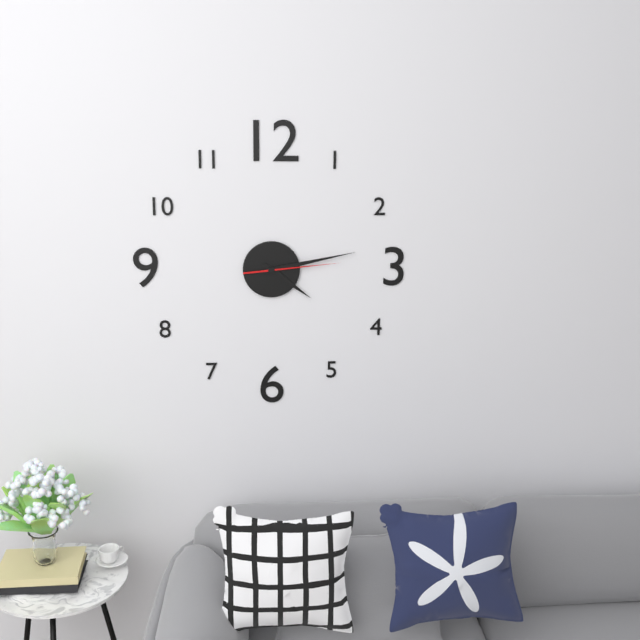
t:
4h13m14s
